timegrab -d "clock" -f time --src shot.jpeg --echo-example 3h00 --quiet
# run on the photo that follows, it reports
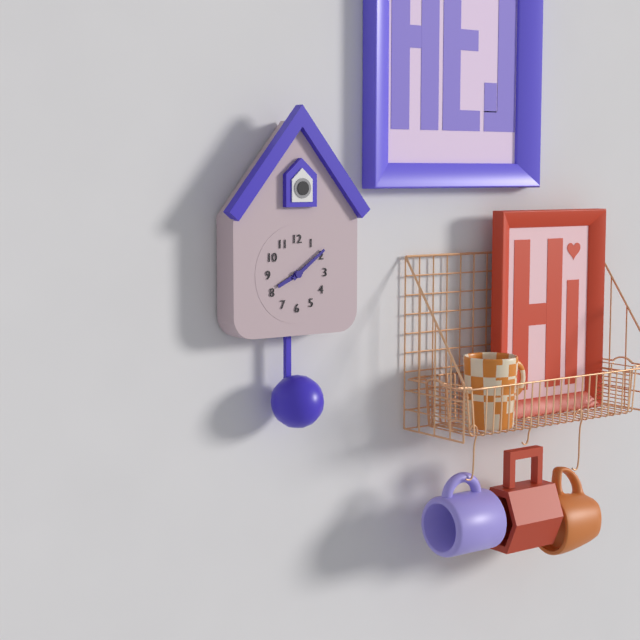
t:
8h09
